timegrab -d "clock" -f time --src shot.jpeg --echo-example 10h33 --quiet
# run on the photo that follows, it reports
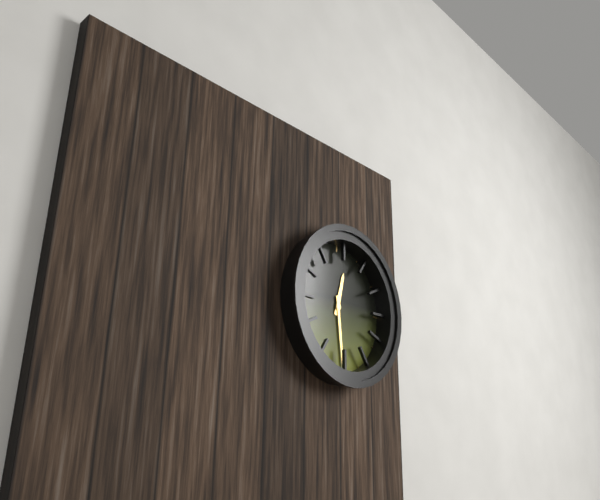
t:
12h29
